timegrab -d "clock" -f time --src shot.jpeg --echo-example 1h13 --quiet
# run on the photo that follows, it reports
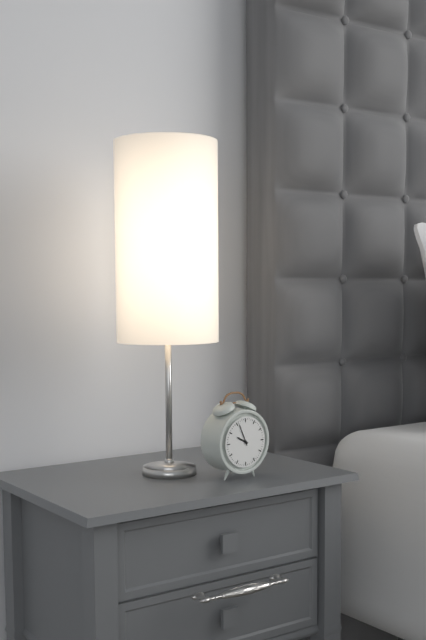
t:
9h56
